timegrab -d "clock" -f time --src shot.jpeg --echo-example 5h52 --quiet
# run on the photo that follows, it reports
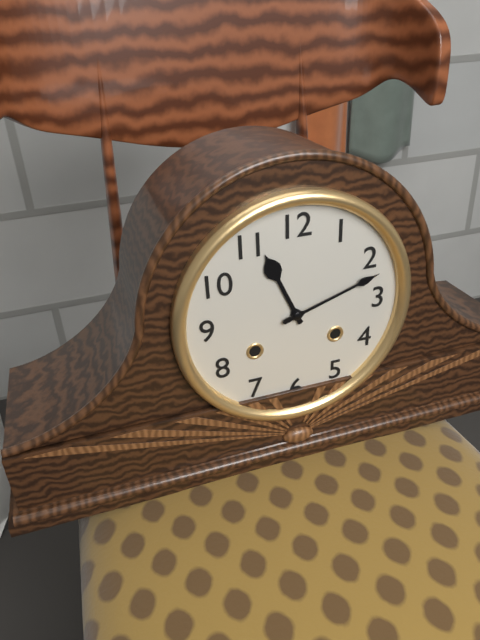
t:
11h12
